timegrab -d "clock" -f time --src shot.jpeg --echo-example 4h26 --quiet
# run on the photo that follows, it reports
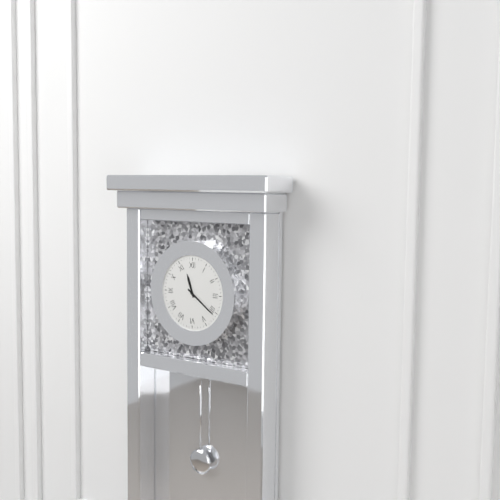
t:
11h21
